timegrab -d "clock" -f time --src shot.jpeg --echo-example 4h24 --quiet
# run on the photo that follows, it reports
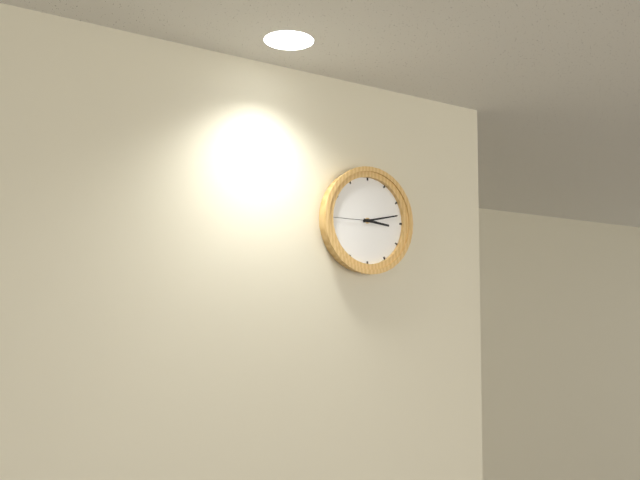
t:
3h13
